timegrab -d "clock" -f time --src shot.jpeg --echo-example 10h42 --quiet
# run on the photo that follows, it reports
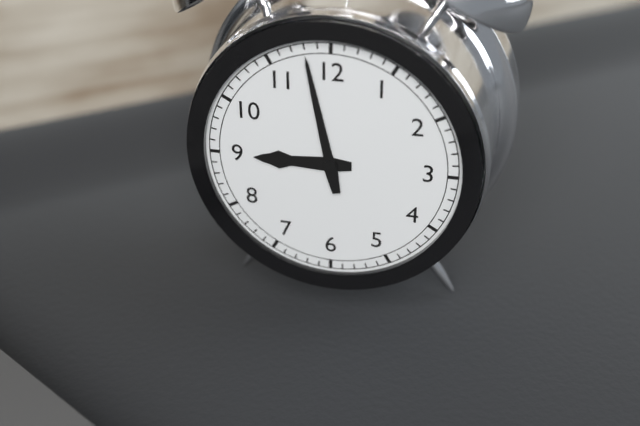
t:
8h58
